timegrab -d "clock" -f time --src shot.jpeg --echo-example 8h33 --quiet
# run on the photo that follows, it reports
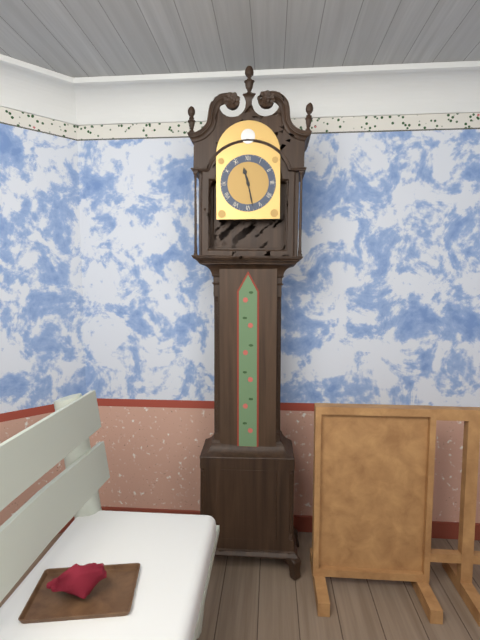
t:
11h28
